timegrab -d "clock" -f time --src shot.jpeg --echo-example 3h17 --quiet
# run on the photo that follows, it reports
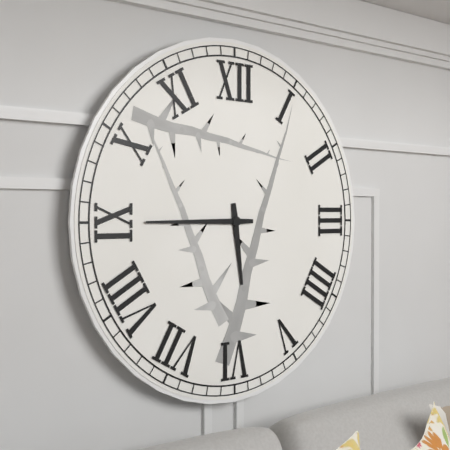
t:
5h45
